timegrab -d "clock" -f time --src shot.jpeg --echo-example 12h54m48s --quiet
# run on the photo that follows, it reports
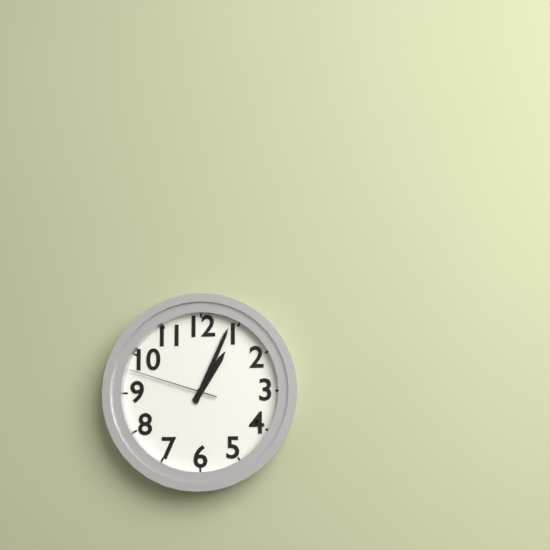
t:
1h04m48s
